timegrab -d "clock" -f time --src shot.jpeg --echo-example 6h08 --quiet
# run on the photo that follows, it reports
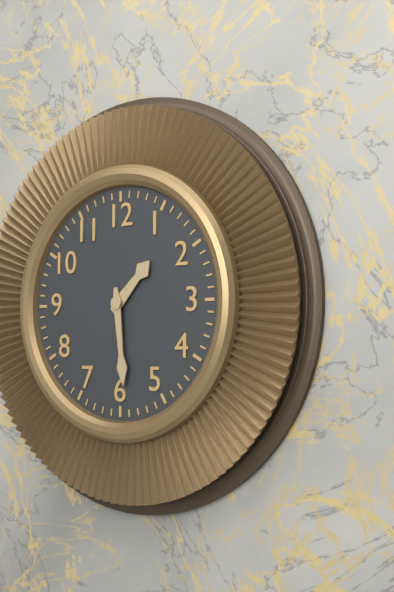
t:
1h29
